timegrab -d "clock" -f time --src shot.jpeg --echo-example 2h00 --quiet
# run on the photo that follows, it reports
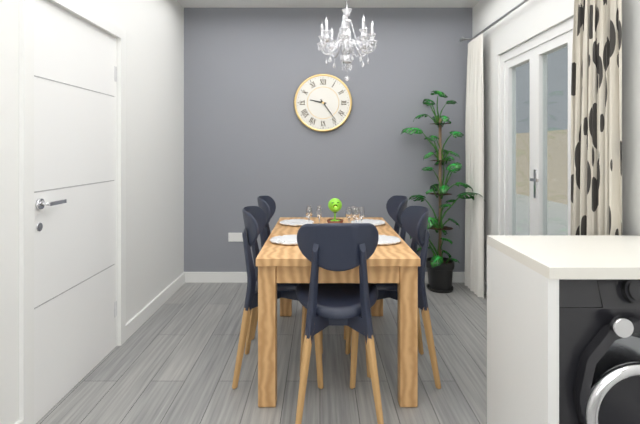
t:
9h24
